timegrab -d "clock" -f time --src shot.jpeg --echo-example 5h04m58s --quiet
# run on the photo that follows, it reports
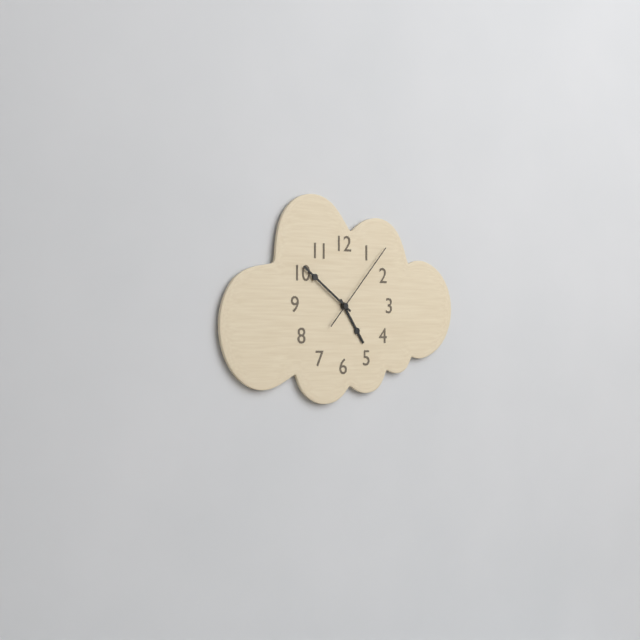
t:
4h51m07s
